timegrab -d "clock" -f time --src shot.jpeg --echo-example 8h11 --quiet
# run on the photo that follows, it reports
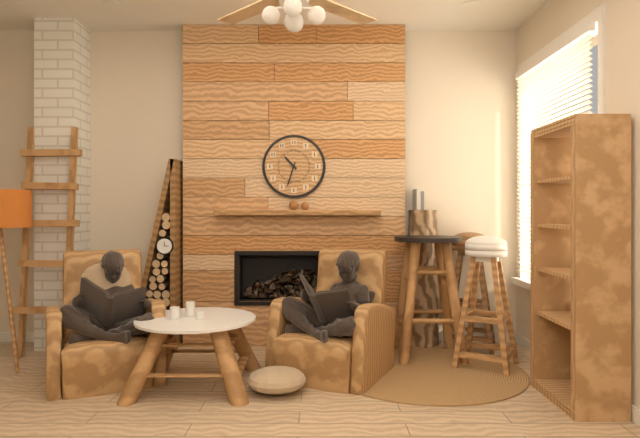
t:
10h33
